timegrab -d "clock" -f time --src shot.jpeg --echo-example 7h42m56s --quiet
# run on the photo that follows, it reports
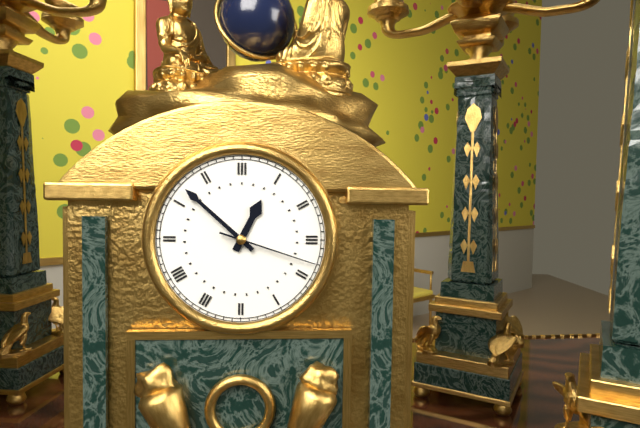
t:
12h52m18s
